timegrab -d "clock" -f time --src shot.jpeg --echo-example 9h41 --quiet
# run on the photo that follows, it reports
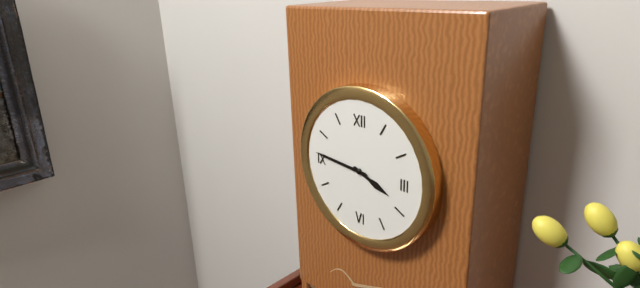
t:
3h46
